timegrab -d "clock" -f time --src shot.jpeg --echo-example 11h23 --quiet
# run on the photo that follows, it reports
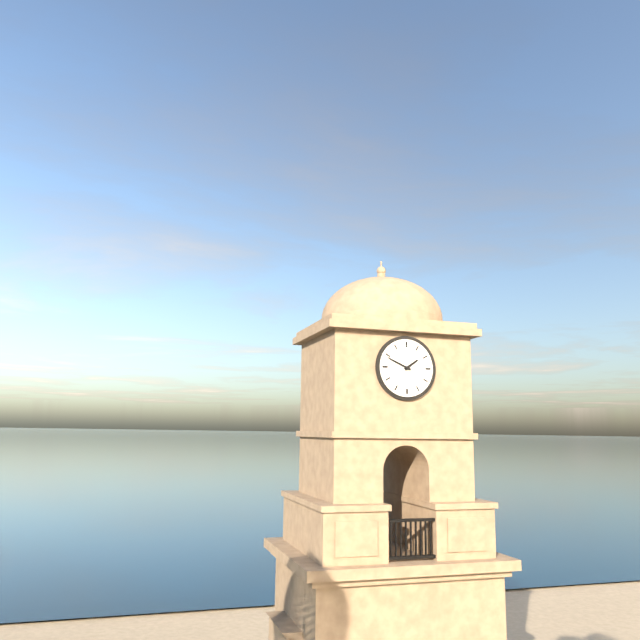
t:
1h49
